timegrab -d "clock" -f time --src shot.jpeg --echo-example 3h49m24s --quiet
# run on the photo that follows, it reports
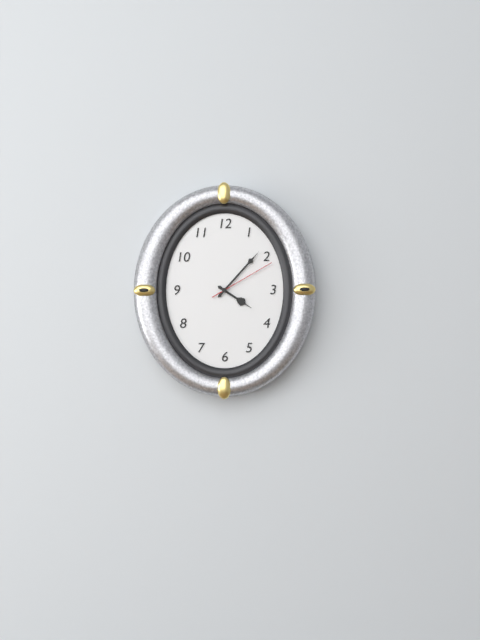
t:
4h07m10s
